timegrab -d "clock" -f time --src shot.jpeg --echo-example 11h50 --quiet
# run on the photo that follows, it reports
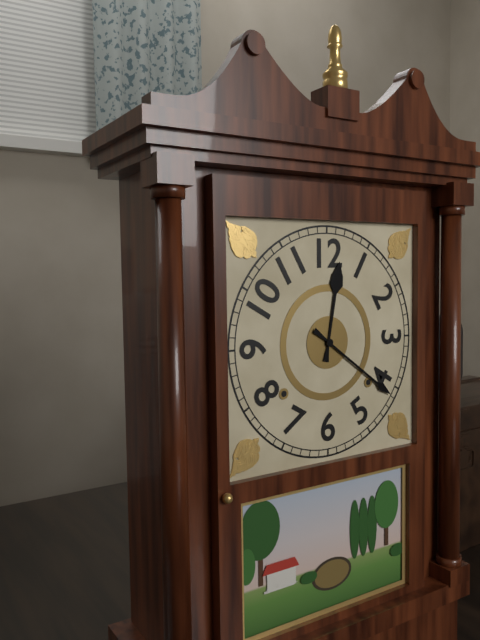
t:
12h21
